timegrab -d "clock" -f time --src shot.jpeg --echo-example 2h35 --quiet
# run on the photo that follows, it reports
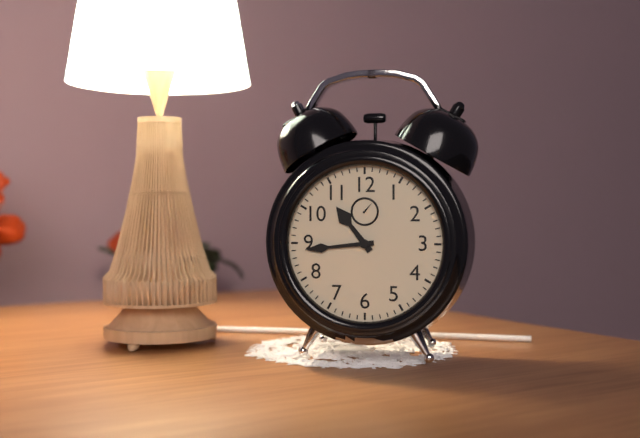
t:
10h44
